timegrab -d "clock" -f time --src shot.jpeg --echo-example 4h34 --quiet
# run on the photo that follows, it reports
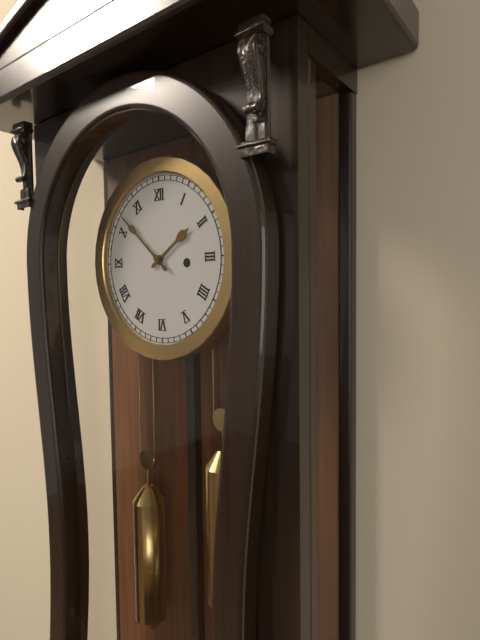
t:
1h52
